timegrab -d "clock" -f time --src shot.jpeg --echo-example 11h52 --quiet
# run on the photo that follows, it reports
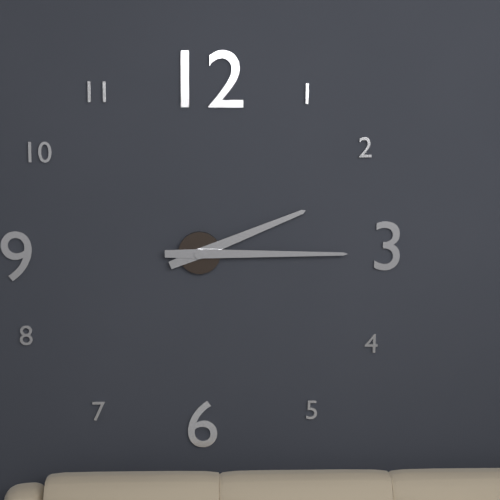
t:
2h15
